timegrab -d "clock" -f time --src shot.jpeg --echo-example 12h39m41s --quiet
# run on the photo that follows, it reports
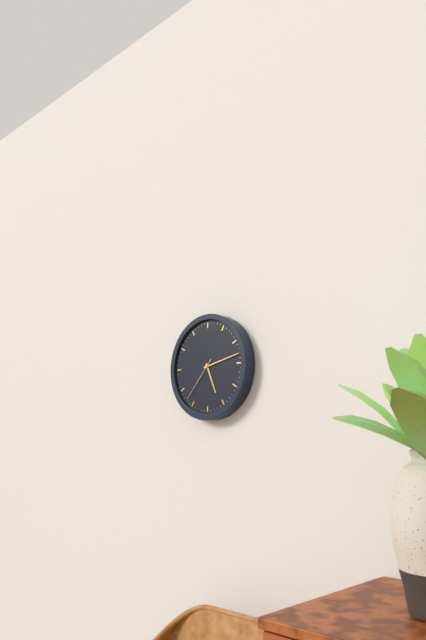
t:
5h13m37s
